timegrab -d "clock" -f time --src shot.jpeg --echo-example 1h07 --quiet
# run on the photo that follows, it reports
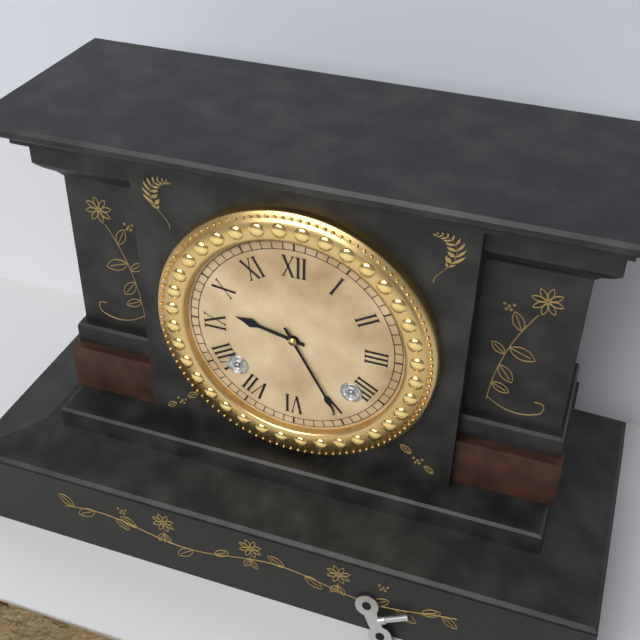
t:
9h25
